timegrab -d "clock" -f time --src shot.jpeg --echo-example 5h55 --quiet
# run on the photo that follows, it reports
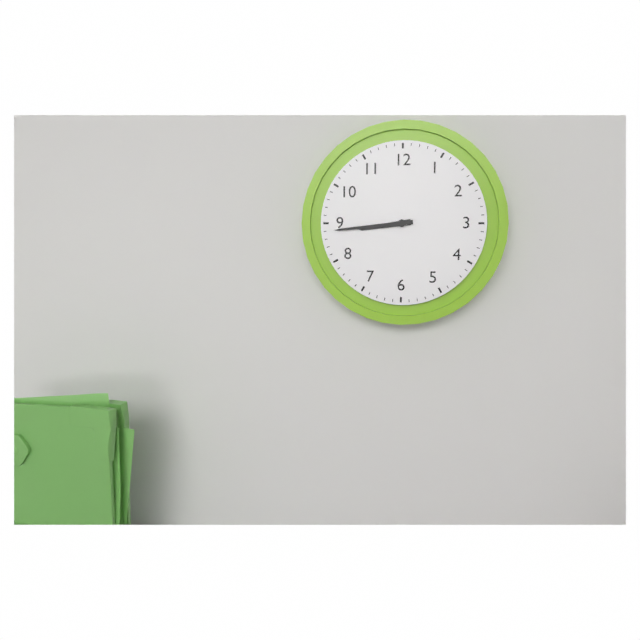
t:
8h44
